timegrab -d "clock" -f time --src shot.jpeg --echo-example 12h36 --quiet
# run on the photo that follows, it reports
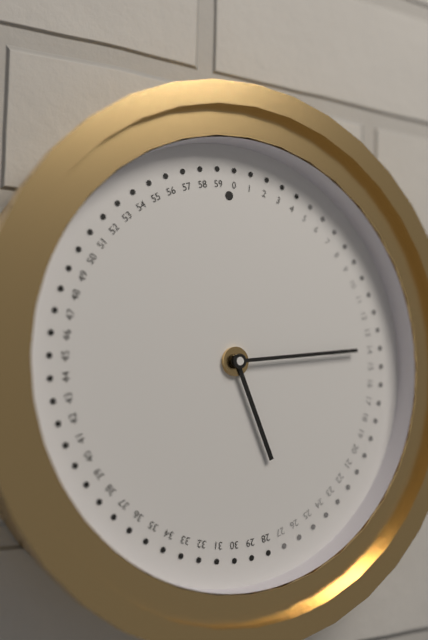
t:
5h14
